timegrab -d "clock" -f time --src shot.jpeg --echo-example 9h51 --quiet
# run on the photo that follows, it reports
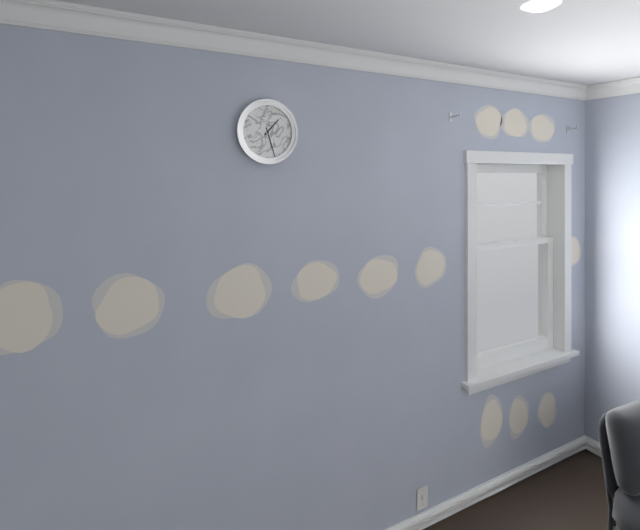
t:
1h27
